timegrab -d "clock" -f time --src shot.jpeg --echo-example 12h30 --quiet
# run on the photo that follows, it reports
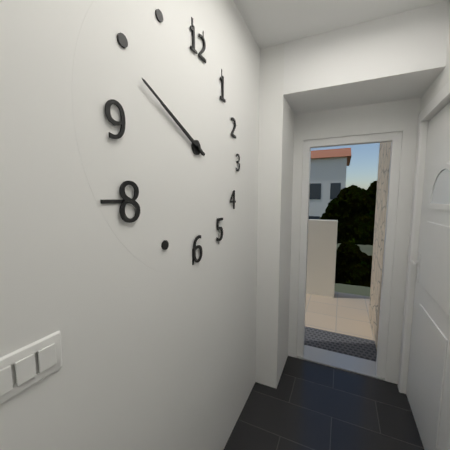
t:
9h49
